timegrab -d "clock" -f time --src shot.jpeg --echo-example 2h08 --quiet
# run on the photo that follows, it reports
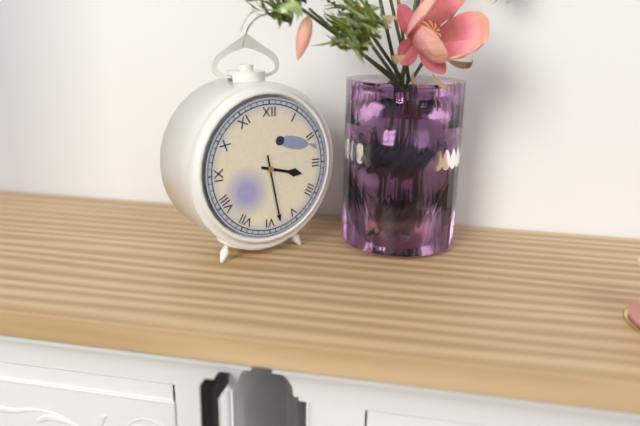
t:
3h28
